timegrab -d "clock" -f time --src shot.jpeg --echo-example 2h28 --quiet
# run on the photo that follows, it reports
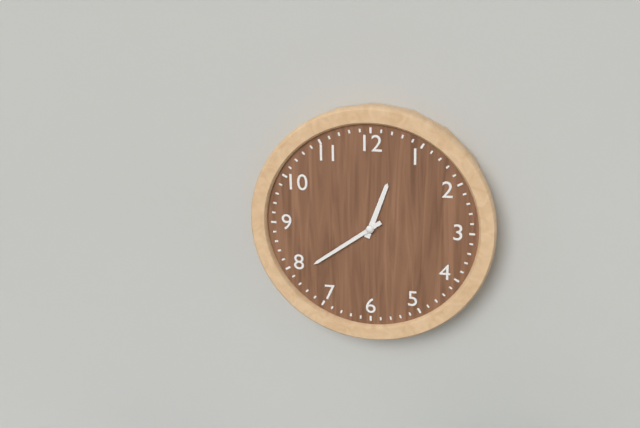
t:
12h39
